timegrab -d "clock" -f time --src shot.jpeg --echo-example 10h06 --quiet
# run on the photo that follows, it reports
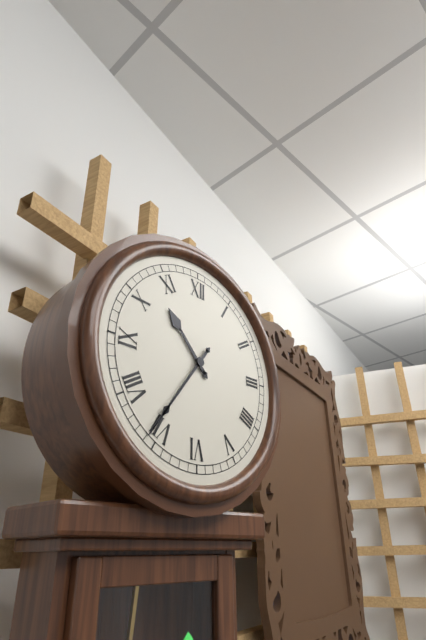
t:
10h36
